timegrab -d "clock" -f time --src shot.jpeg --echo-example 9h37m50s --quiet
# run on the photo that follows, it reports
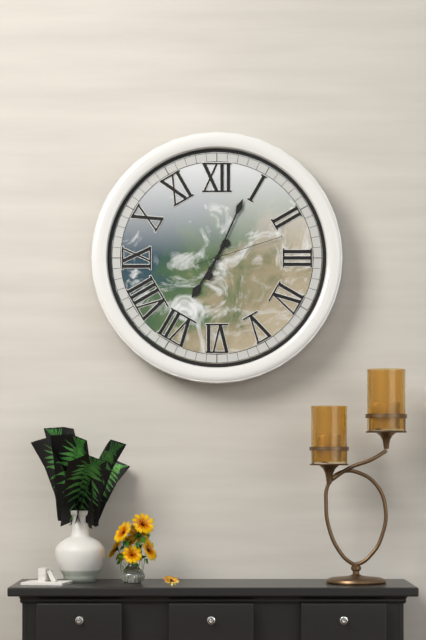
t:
7h04m12s
